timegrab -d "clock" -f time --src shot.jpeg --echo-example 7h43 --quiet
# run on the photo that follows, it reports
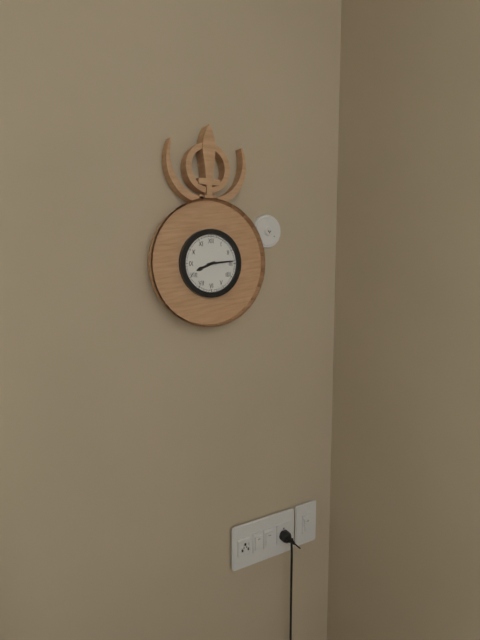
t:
8h14
